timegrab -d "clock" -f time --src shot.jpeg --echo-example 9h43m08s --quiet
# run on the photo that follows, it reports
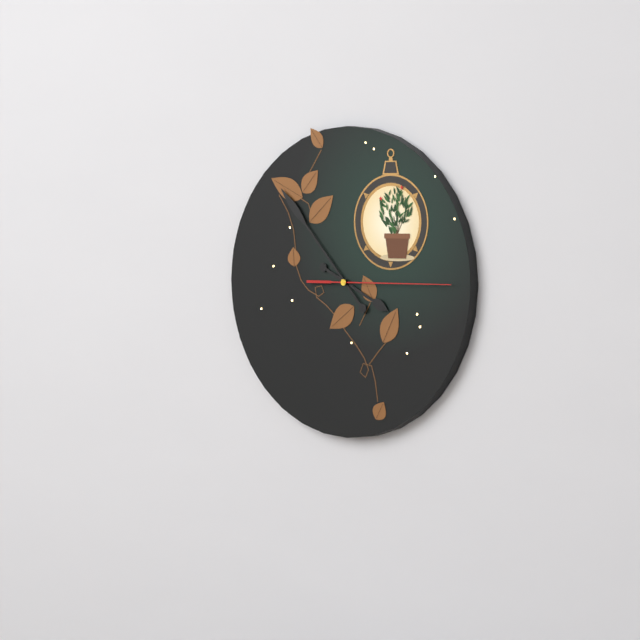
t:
3h53m15s
